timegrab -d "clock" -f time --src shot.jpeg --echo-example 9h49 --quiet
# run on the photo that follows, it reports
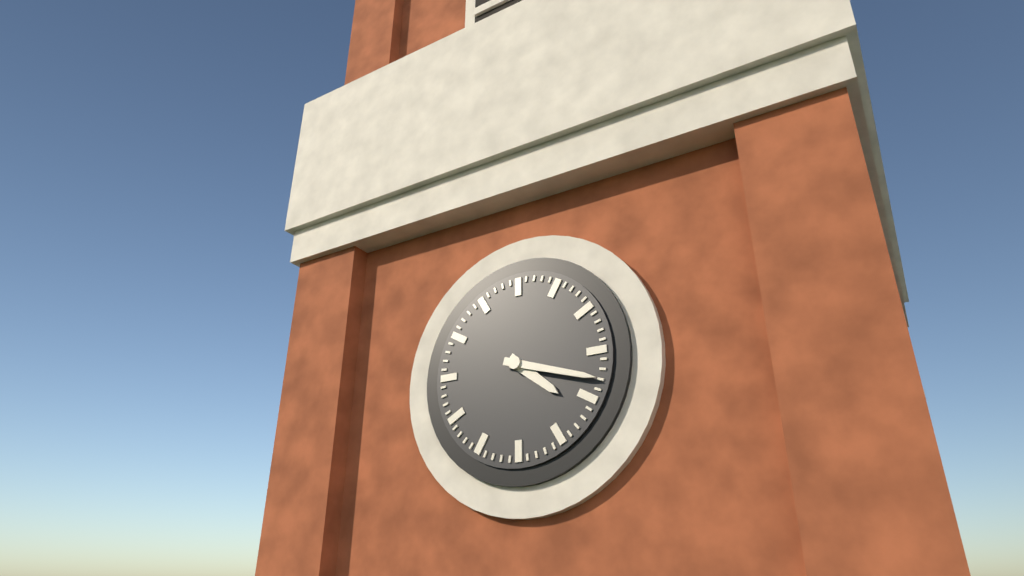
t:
4h18
